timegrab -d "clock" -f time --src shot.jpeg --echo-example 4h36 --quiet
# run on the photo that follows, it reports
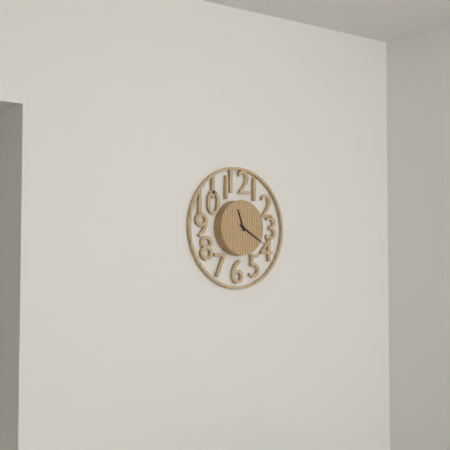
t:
11h20
